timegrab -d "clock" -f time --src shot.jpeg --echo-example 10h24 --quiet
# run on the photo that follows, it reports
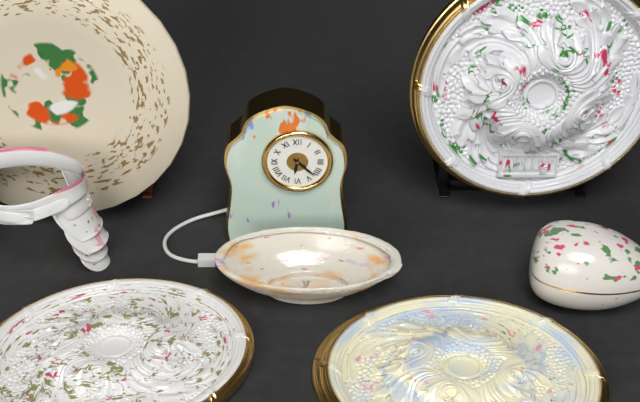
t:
6h22
